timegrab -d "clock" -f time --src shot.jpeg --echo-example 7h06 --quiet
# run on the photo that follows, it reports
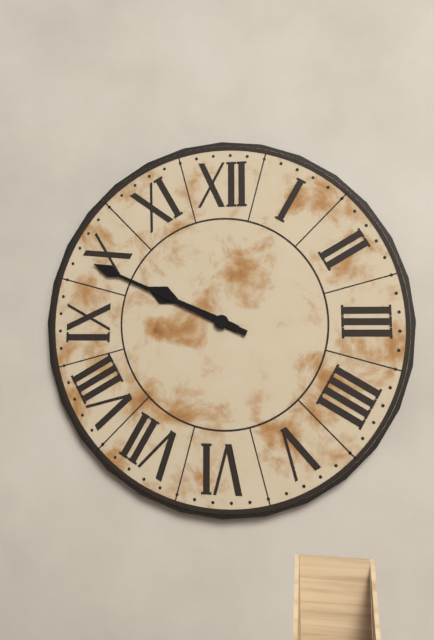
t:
9h49
